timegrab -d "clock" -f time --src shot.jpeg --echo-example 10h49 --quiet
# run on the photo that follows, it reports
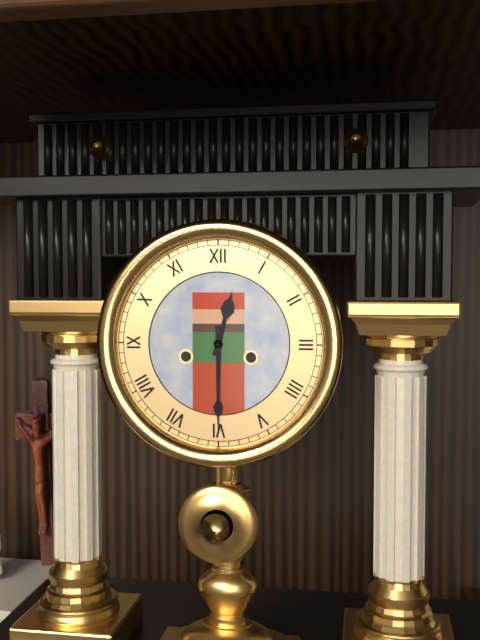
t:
12h30
